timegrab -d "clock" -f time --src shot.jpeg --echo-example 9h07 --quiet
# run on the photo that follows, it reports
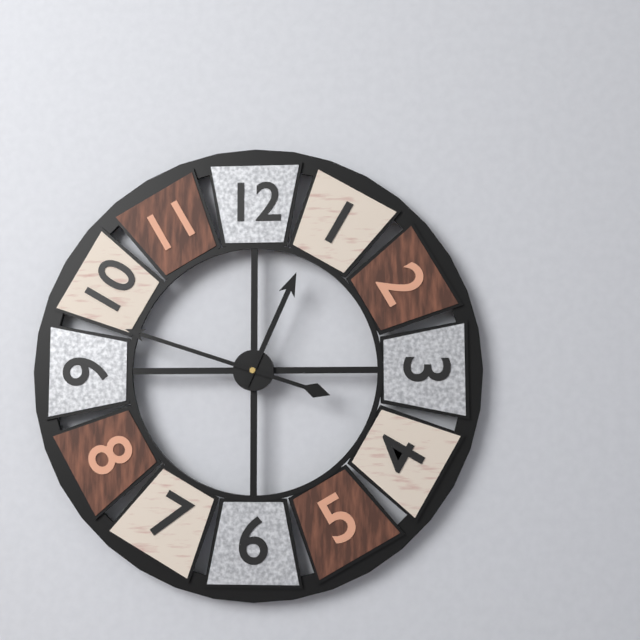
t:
12h48
